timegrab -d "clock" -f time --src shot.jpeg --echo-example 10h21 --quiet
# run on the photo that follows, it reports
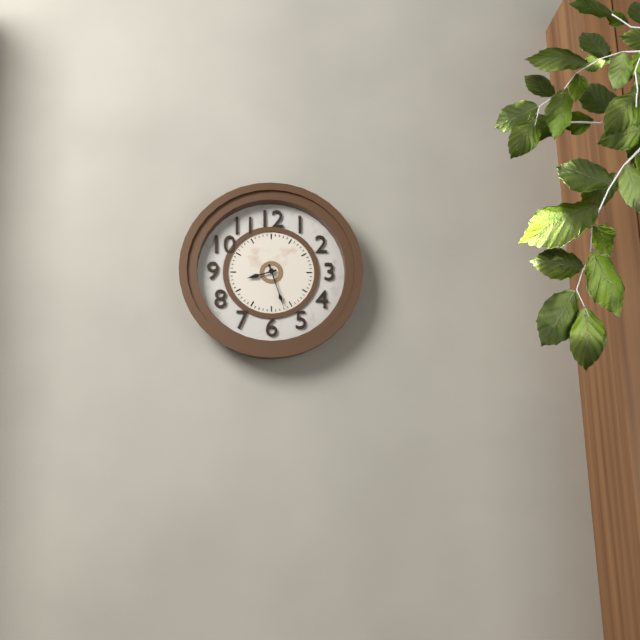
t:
8h27
